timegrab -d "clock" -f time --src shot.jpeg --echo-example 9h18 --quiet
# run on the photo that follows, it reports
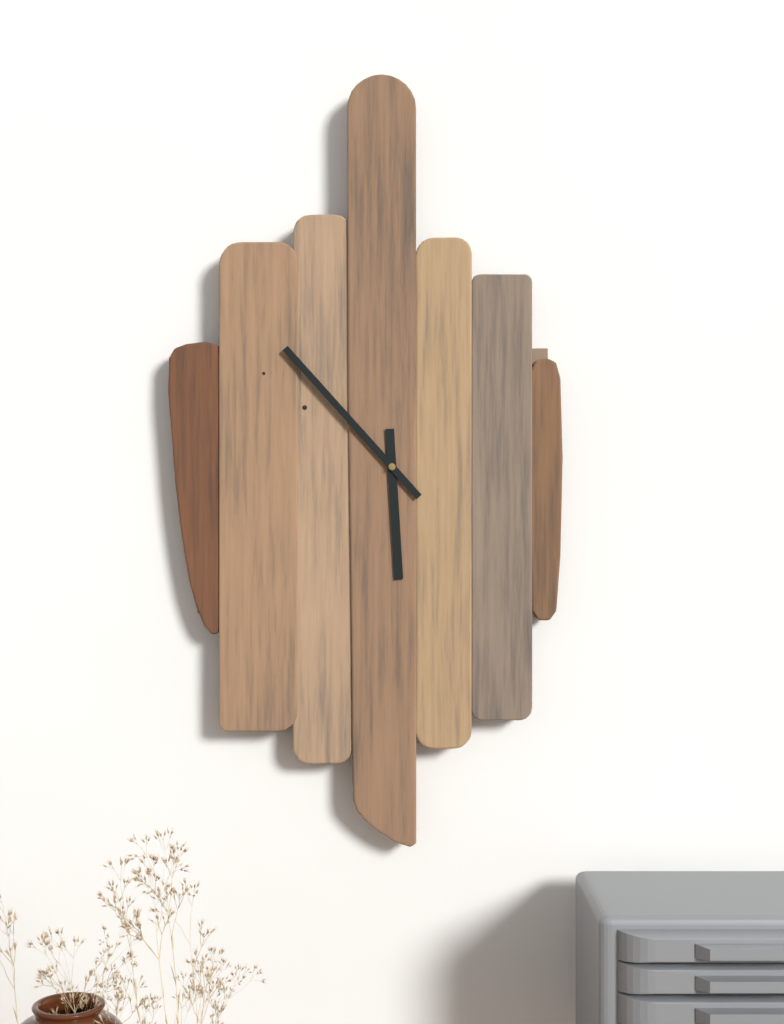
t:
5h53
